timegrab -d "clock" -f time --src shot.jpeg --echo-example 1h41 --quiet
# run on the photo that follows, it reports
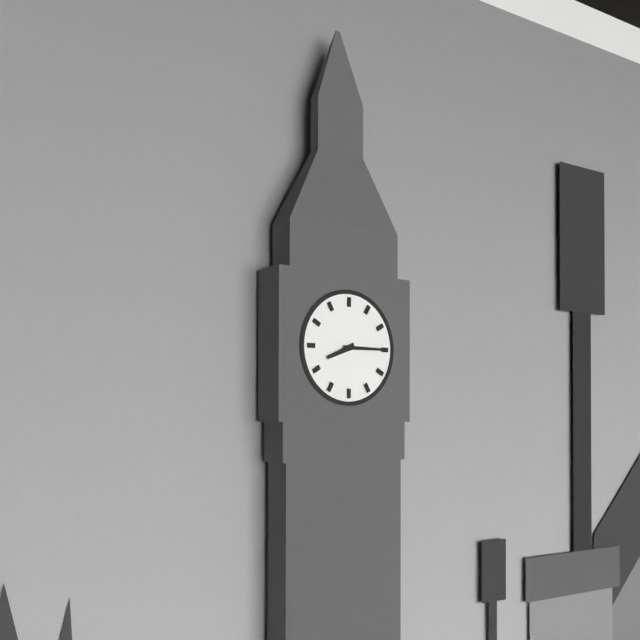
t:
8h15
